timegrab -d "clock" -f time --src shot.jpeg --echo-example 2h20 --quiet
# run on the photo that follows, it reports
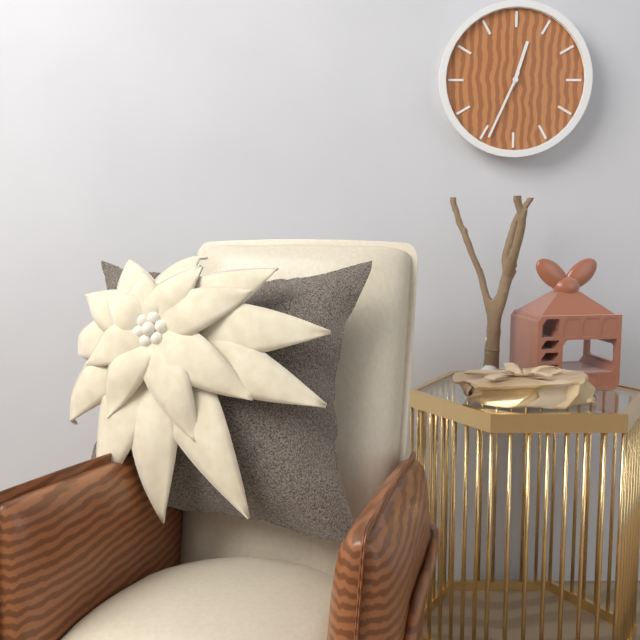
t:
12h34
